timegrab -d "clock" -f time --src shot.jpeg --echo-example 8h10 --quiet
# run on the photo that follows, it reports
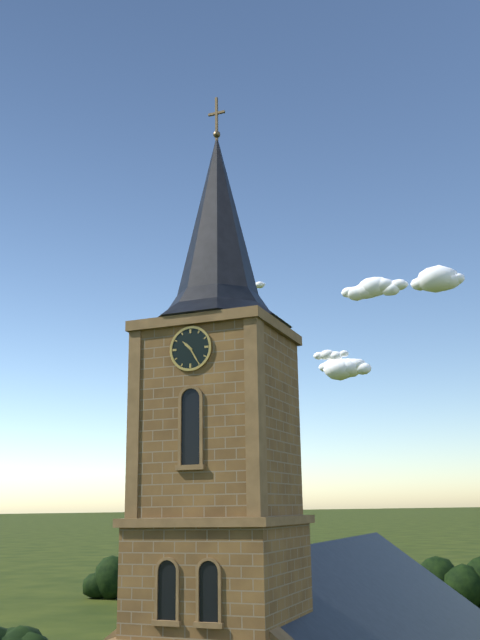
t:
10h25
